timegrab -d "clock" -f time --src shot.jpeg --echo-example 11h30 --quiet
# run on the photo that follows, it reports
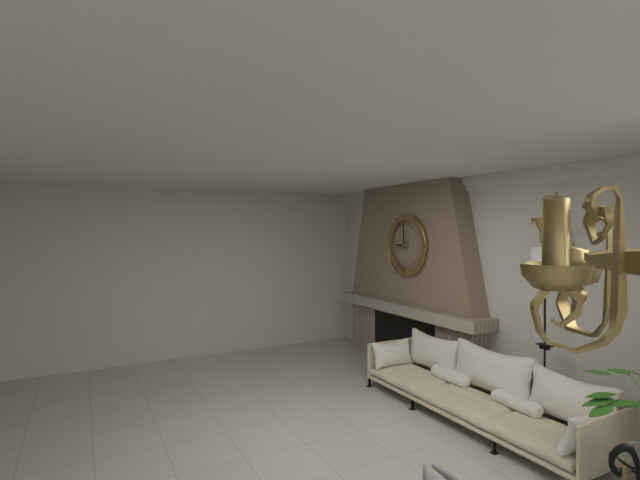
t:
9h00
